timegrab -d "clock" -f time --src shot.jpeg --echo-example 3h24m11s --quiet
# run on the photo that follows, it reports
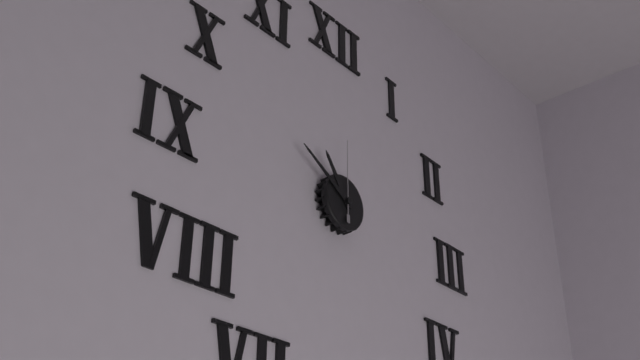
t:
10h50m00s
